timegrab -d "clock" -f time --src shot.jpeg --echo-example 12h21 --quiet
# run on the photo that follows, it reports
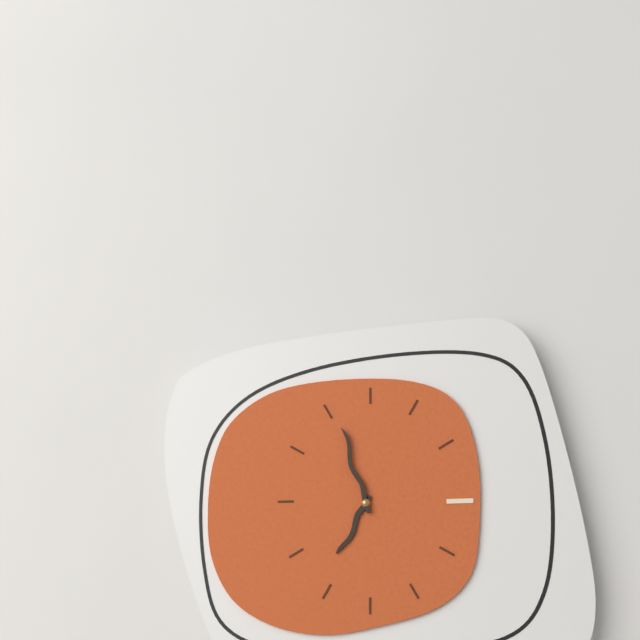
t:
6h57
